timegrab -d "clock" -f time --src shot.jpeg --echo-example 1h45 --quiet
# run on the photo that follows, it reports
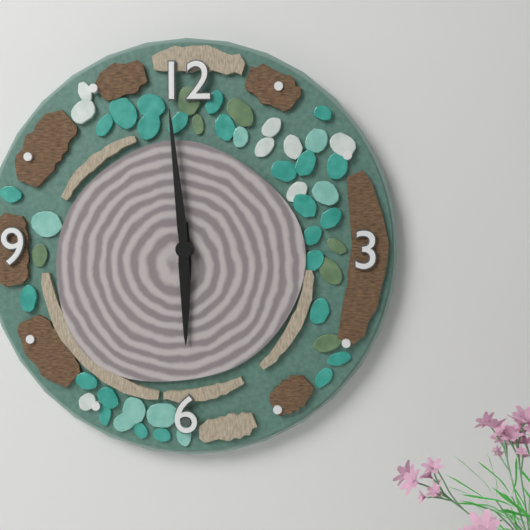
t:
5h59
